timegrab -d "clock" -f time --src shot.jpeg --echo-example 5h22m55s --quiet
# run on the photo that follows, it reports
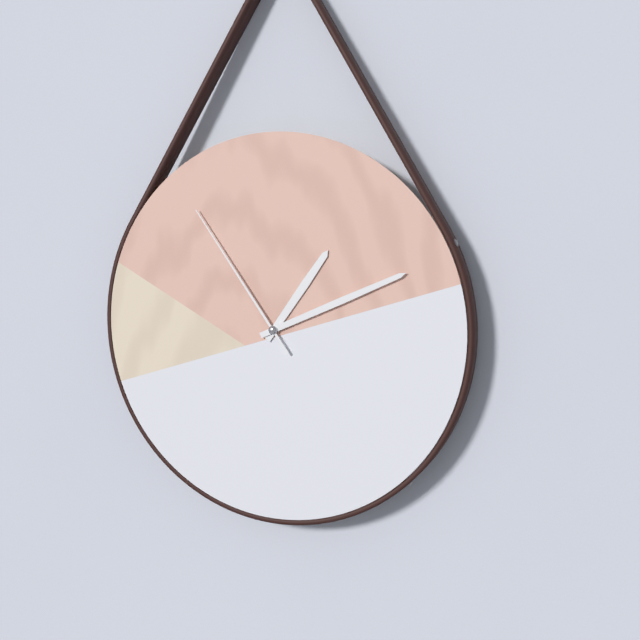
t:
1h11m54s
